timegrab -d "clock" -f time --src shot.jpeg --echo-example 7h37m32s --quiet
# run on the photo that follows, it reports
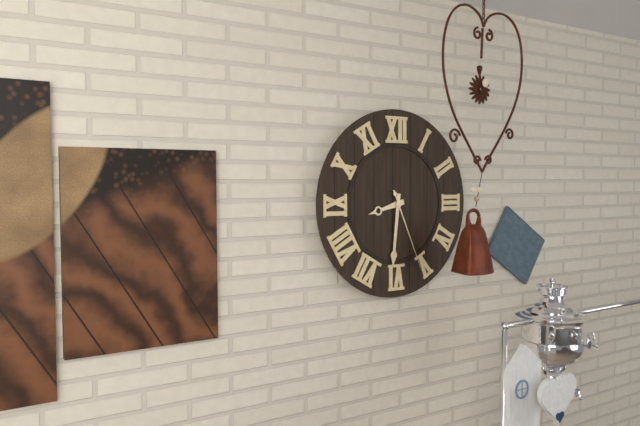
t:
8h31m26s
